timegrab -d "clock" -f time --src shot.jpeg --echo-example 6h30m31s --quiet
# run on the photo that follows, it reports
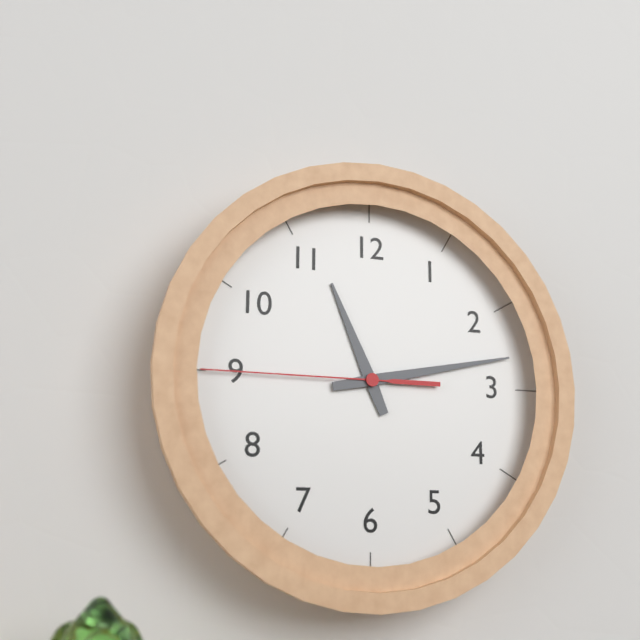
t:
11h13m45s
